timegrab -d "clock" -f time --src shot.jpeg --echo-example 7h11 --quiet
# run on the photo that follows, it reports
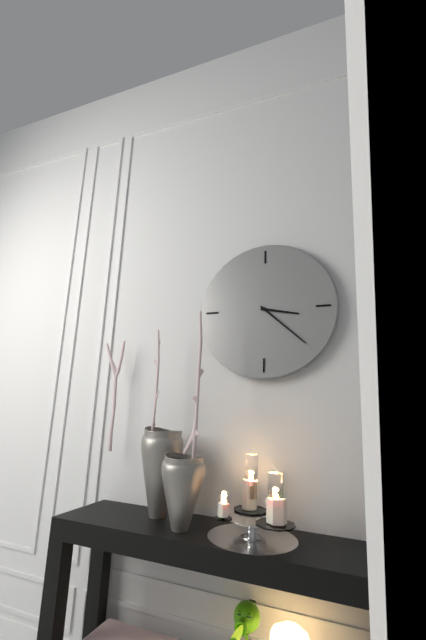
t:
3h22
